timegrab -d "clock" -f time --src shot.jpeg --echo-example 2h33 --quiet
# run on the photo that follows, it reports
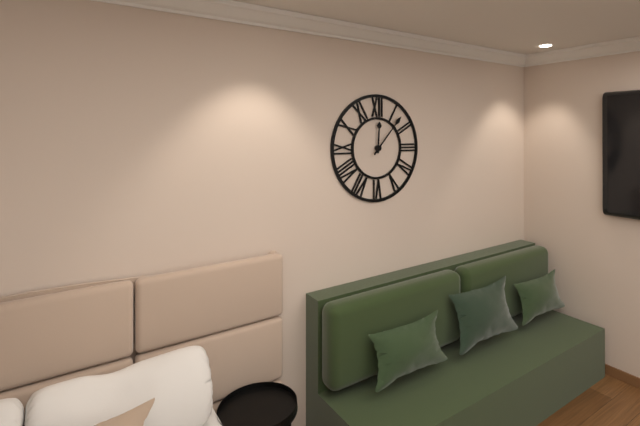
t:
12h07
